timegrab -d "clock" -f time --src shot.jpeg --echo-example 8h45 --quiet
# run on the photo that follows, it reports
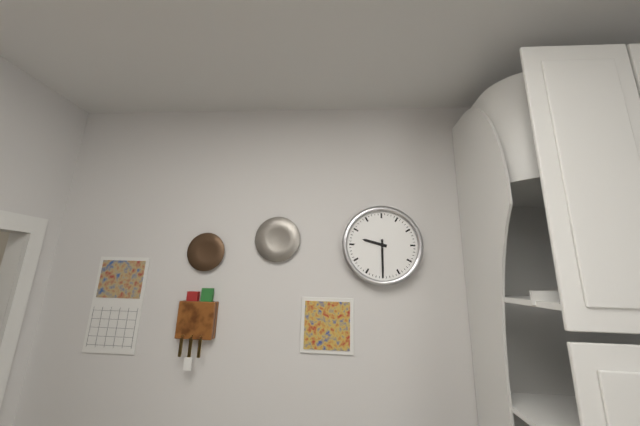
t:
9h30
